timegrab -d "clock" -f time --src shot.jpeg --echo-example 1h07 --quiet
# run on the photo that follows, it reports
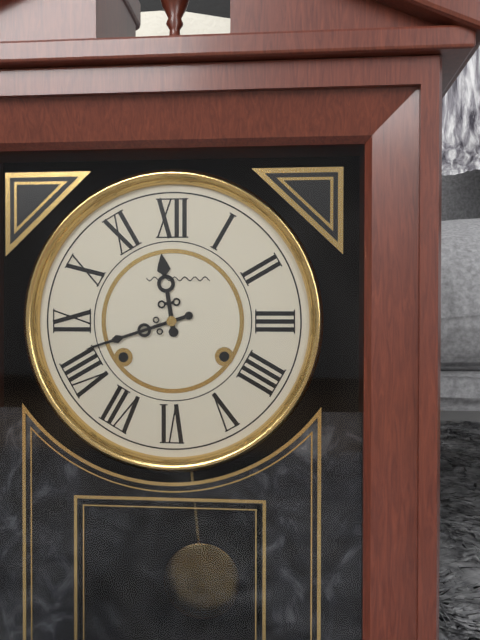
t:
11h42
